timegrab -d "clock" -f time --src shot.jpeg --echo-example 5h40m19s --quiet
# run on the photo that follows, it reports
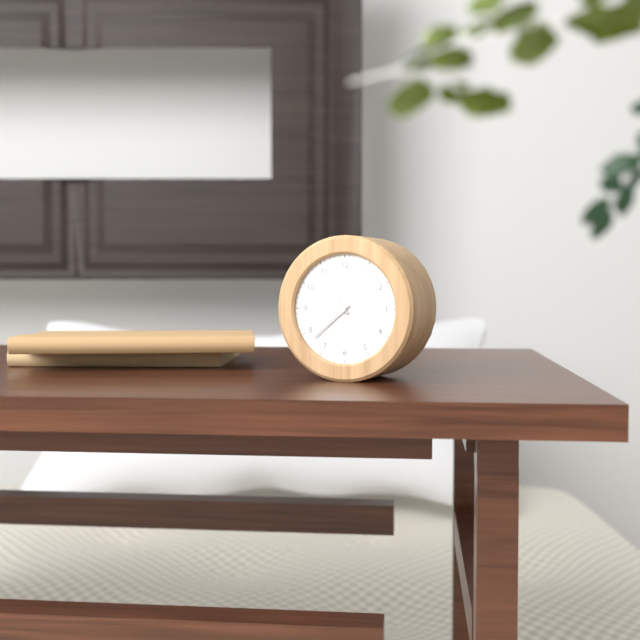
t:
10h38m29s
